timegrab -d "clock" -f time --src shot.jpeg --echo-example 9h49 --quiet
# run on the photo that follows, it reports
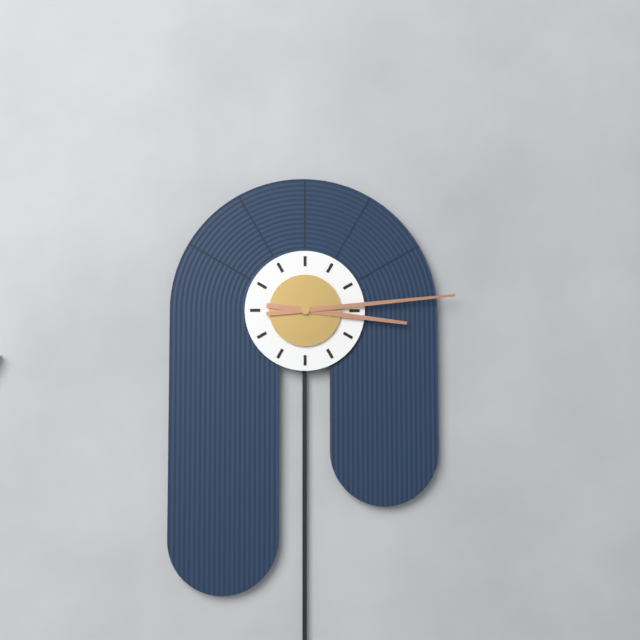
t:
3h14
